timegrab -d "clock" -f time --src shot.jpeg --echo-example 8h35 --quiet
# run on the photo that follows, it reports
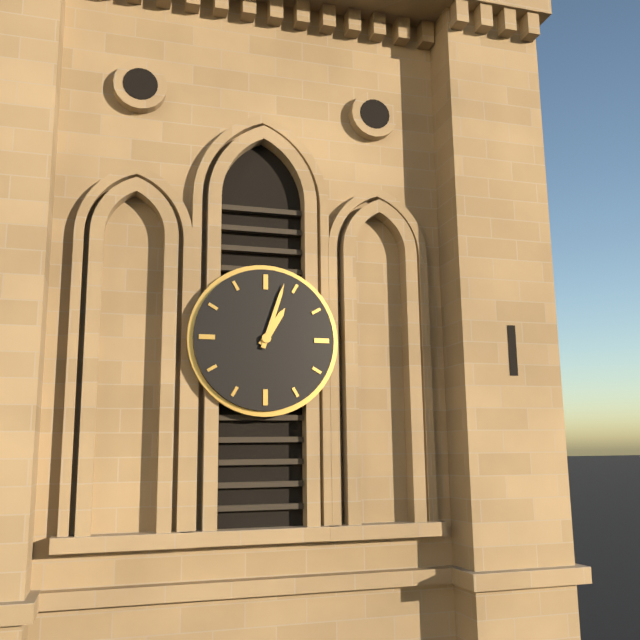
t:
1h03
